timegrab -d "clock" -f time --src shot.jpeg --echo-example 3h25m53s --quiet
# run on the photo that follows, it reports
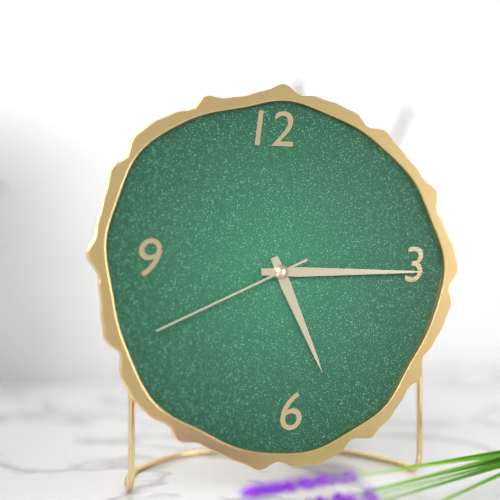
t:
5h15m41s
